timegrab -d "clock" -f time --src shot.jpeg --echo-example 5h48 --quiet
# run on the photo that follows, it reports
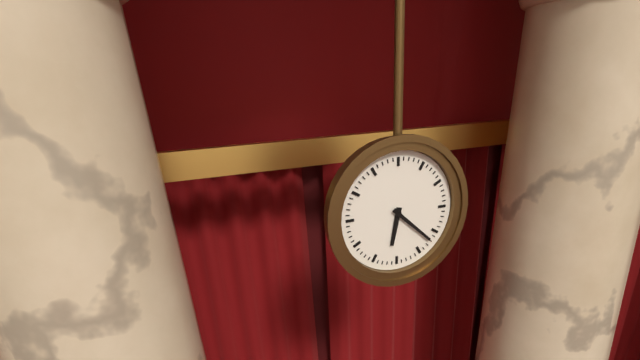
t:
6h22
